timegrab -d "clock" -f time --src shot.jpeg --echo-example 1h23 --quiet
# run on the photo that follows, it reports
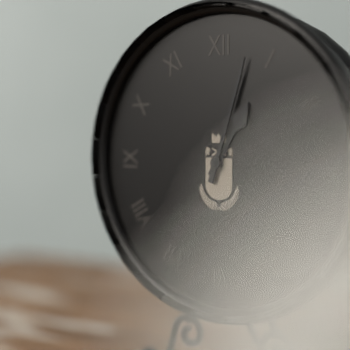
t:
1h03
